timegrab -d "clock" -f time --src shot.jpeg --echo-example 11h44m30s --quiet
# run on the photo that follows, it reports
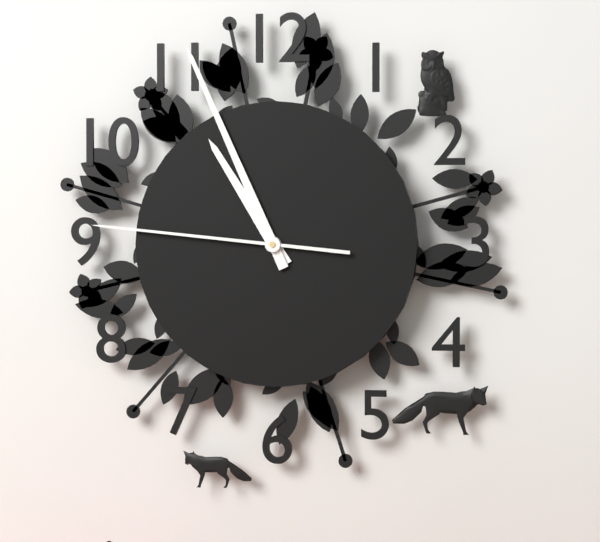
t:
10h56m46s
